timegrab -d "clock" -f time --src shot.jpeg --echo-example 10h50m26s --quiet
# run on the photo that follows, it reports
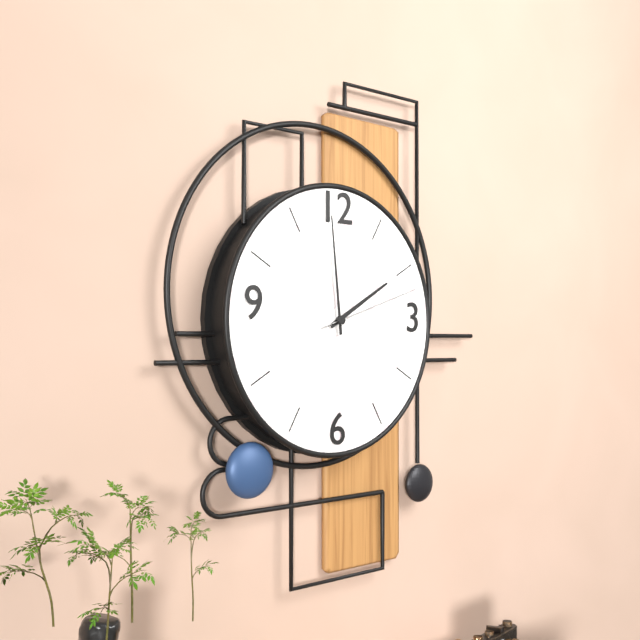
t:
1h59m12s
